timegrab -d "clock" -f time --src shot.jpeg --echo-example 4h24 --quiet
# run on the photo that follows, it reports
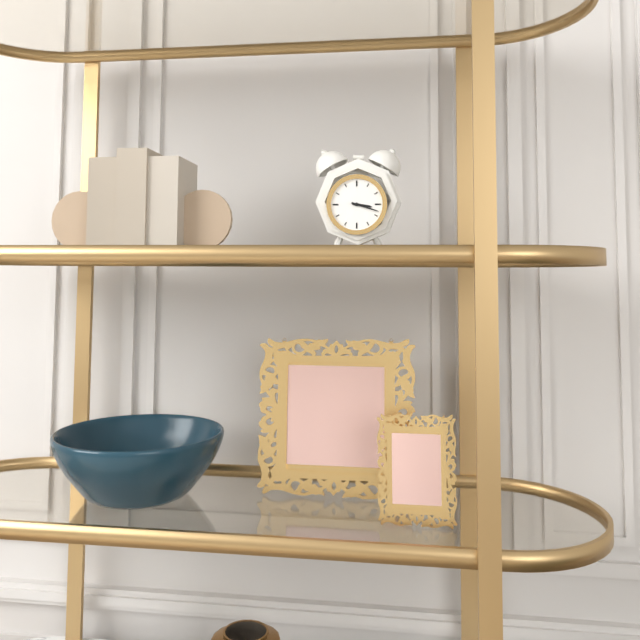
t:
3h18
